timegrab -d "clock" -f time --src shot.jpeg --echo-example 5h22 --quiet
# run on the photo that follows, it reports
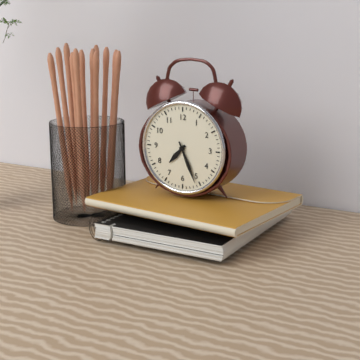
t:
7h26
